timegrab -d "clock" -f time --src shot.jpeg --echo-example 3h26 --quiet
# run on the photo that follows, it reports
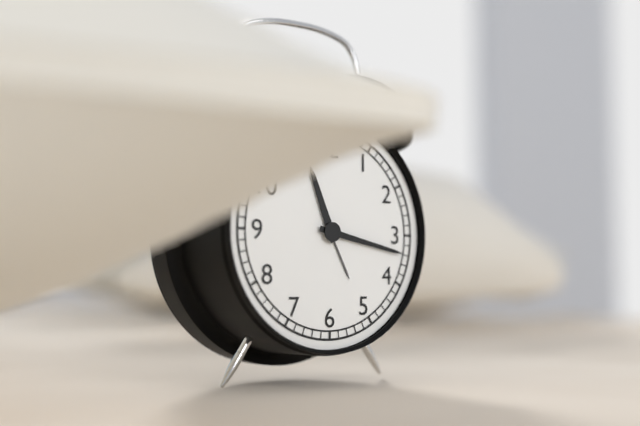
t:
11h17
